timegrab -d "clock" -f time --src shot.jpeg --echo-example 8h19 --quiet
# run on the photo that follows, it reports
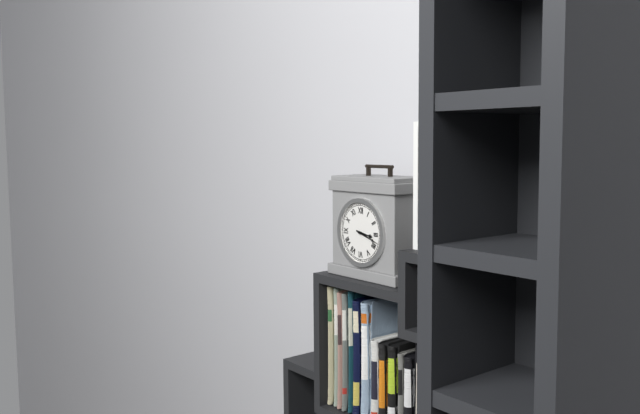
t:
3h18
